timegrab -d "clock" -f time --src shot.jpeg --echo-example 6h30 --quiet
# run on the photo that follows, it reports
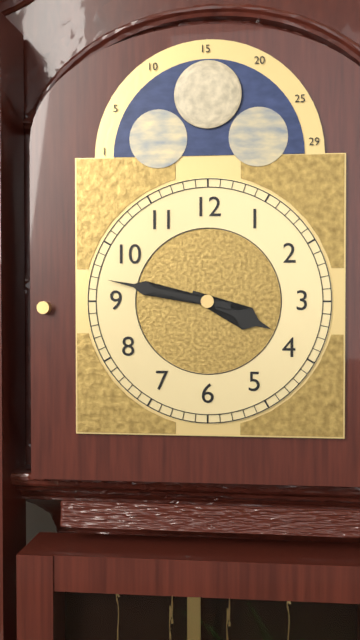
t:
3h47
